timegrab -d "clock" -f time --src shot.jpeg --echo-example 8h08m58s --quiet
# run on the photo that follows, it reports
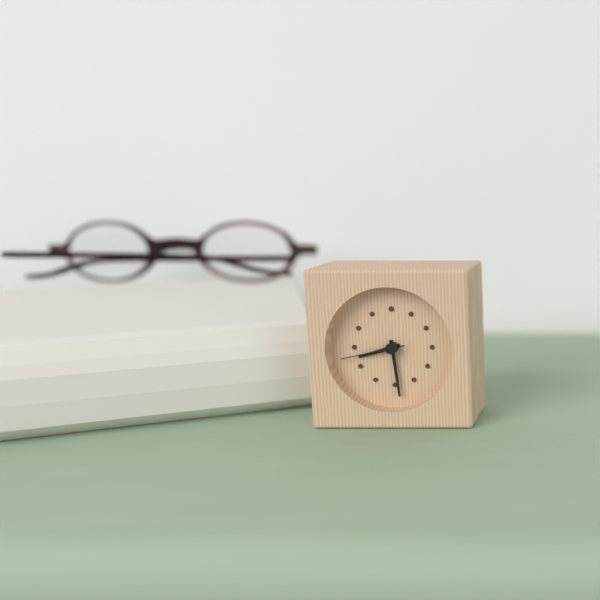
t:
8h29m43s
